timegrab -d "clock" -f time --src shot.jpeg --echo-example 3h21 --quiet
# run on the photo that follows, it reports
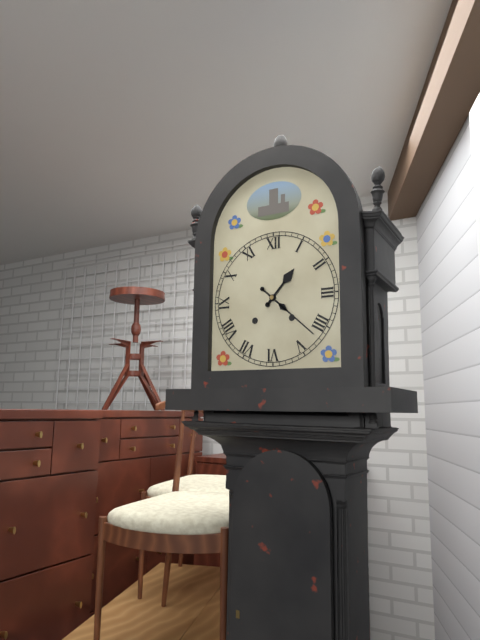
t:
1h22
